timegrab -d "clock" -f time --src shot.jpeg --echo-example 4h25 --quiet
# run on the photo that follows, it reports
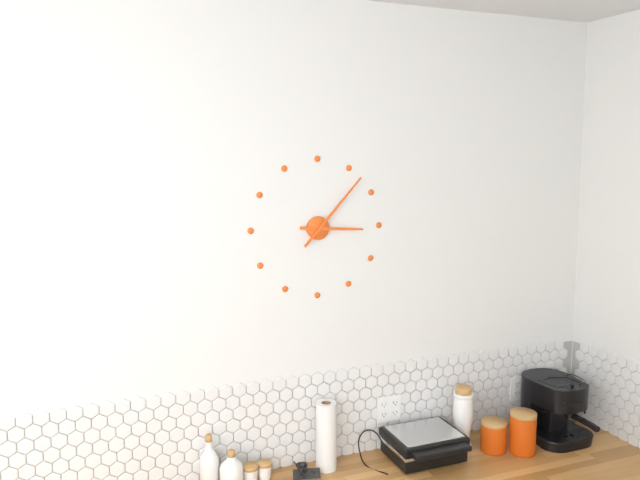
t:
3h07
